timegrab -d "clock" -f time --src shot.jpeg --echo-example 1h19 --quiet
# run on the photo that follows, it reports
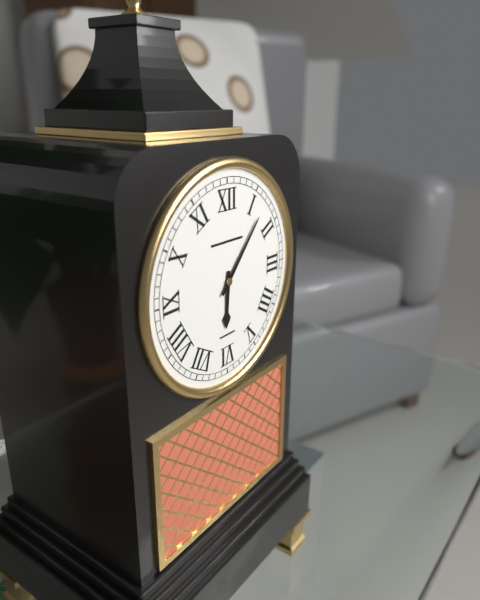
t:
6h07
